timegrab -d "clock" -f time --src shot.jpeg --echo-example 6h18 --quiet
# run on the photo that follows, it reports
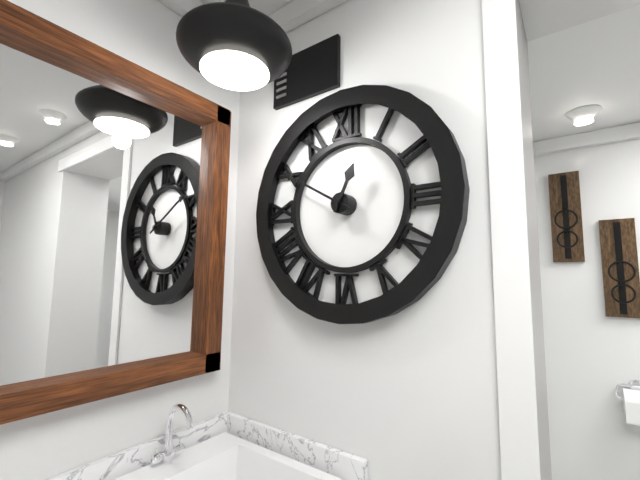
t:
12h50
